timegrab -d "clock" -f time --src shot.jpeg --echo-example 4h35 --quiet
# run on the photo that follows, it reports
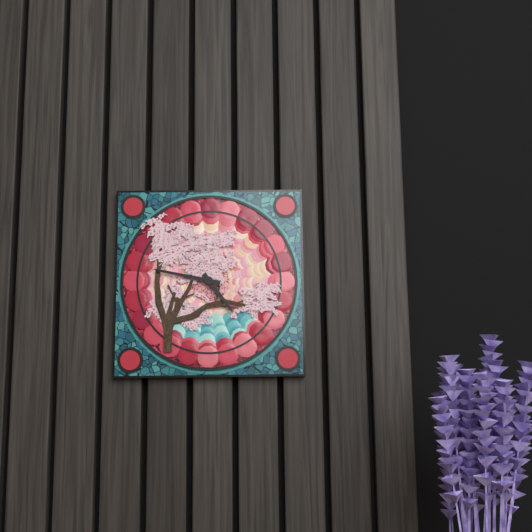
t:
4h47
